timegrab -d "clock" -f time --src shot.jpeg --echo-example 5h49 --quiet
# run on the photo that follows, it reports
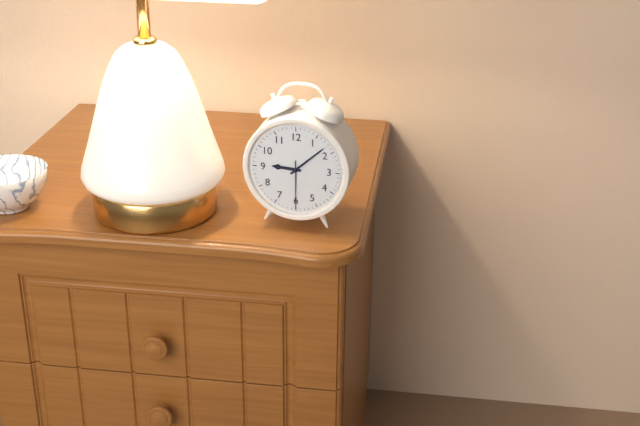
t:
9h08
